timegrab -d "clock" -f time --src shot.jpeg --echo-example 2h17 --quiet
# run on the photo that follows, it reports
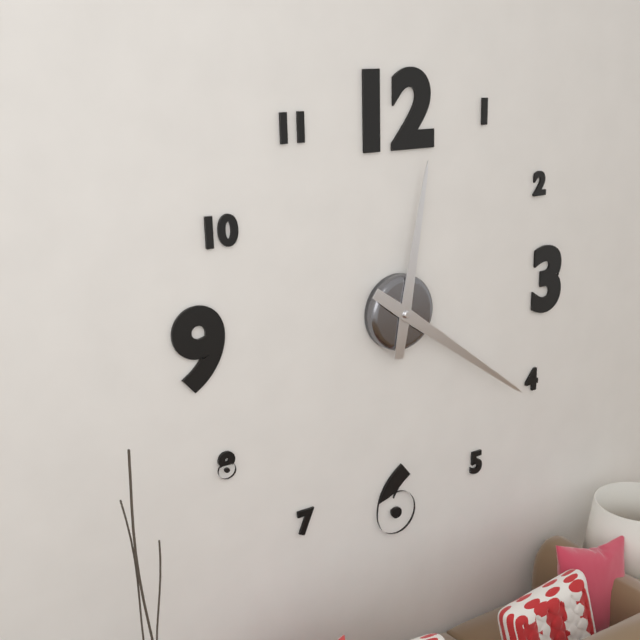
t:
12h21
